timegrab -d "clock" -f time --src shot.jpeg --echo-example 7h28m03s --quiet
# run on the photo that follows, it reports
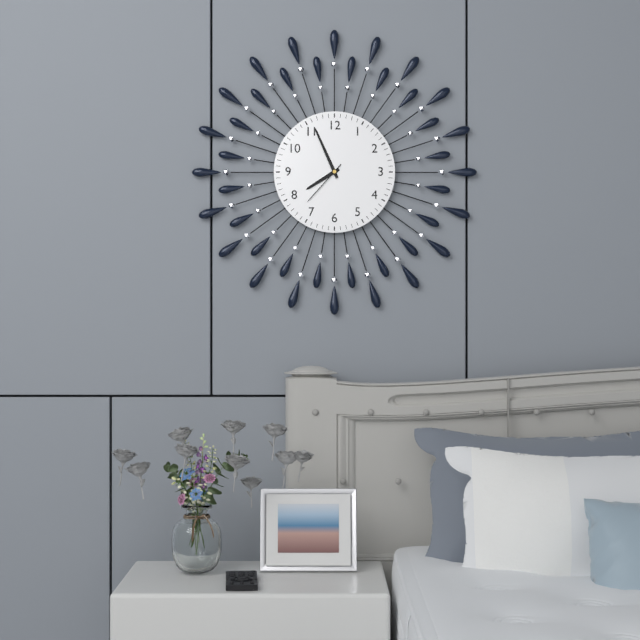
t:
7h56m37s
